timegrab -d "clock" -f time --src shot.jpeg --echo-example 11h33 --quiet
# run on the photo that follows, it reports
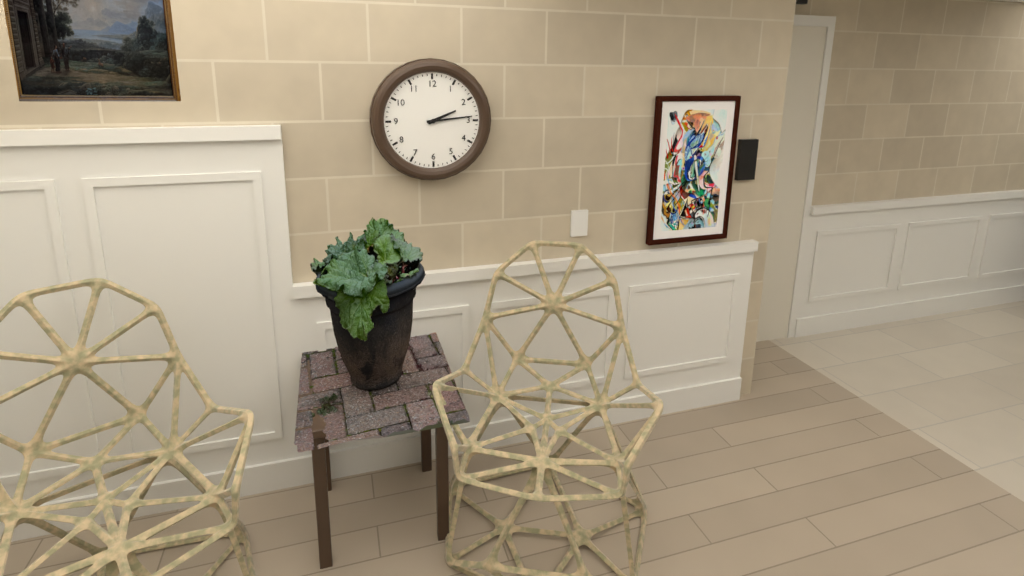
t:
2h14
